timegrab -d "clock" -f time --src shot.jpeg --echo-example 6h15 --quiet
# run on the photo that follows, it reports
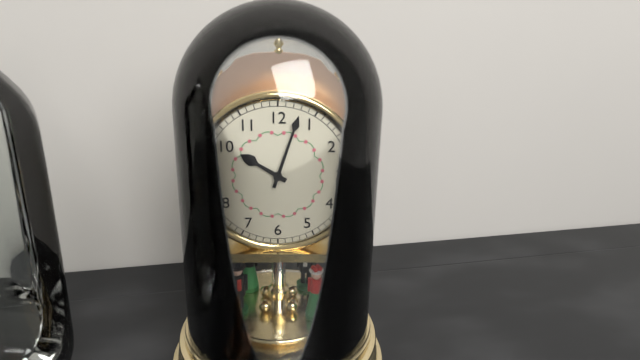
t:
10h03
